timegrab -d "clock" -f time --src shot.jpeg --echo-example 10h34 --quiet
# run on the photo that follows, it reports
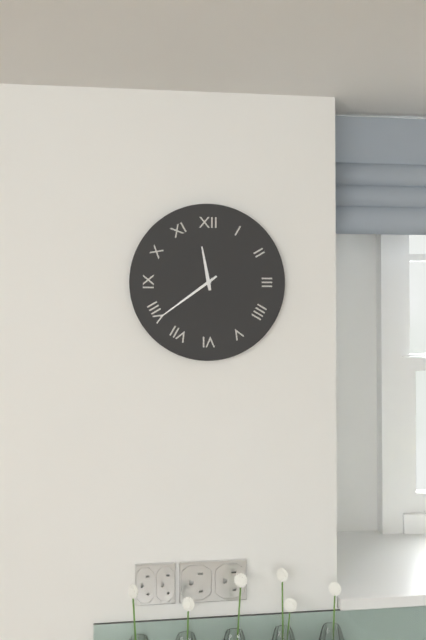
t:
11h39
